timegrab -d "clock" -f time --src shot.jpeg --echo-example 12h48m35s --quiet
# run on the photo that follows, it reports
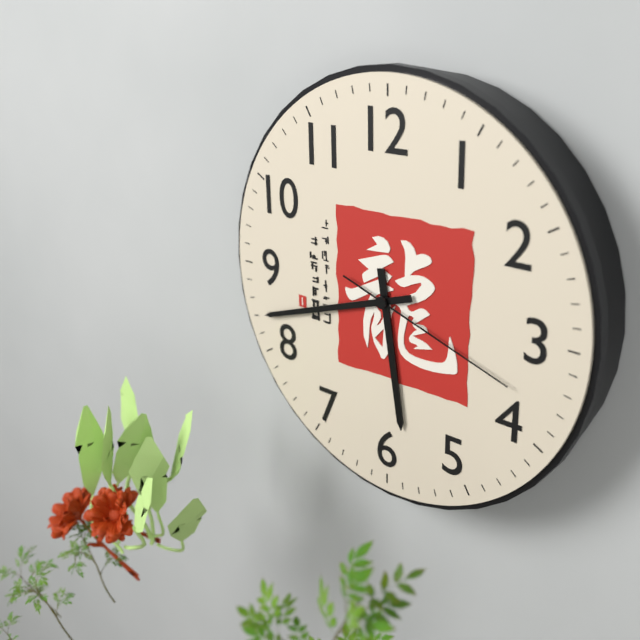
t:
5h42m18s
